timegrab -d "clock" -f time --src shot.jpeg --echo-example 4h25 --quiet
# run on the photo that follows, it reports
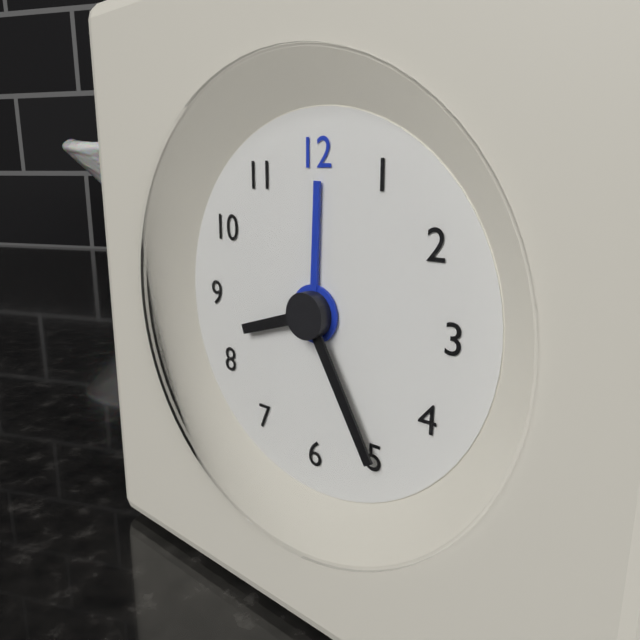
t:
8h25
